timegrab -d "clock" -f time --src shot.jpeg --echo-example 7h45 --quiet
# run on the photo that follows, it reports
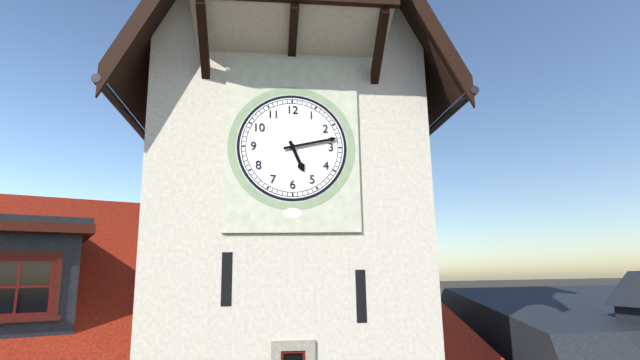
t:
5h13
